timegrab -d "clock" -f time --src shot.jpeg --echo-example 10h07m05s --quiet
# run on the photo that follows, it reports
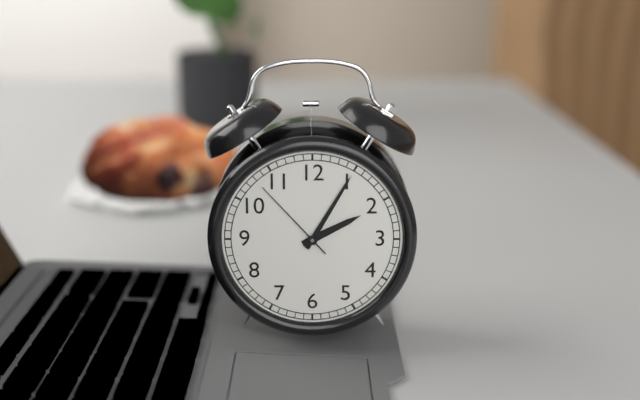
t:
2h05m53s
